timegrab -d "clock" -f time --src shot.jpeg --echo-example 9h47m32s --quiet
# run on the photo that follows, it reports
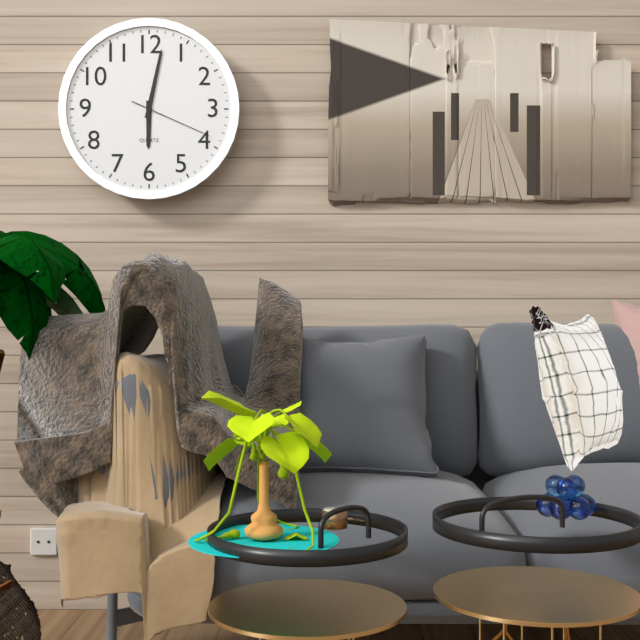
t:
6h02m19s
